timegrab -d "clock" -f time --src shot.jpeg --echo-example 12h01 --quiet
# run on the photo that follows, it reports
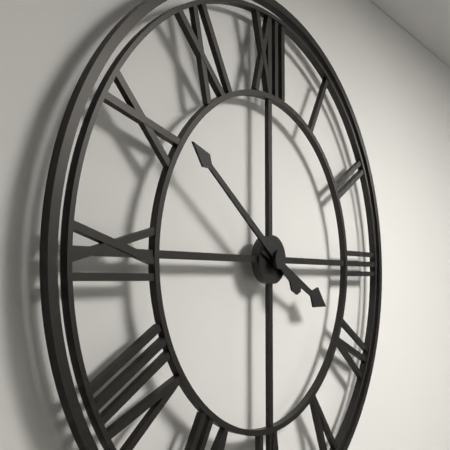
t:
3h51
